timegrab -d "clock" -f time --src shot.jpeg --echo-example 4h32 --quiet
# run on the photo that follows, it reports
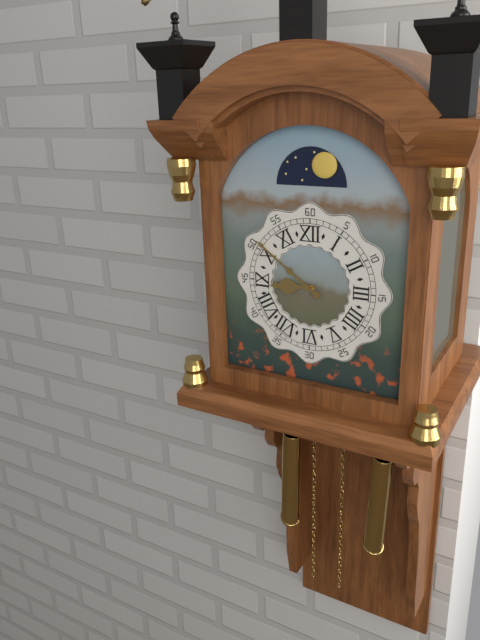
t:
8h51
